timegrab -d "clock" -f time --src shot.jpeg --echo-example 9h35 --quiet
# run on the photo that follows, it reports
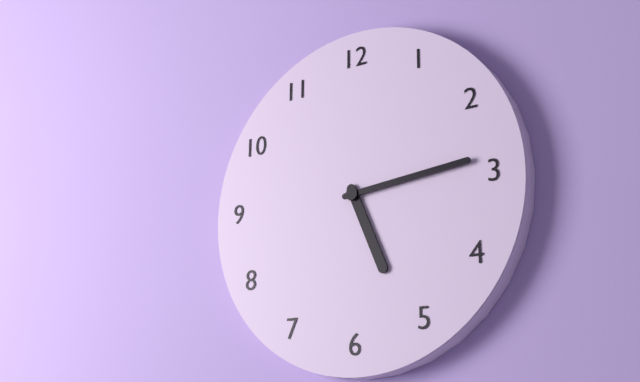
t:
5h14
